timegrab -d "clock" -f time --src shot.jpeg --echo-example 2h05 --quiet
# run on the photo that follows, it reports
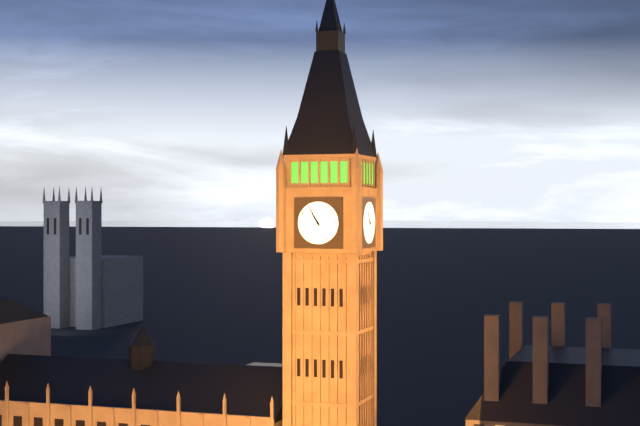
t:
10h55
